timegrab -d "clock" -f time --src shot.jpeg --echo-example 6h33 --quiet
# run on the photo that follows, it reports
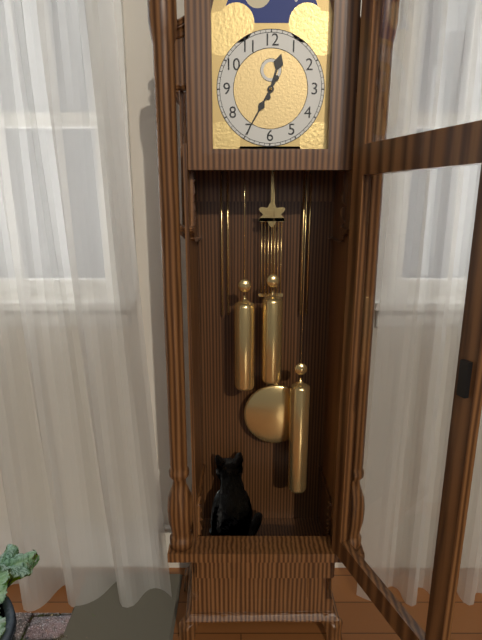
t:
12h35
